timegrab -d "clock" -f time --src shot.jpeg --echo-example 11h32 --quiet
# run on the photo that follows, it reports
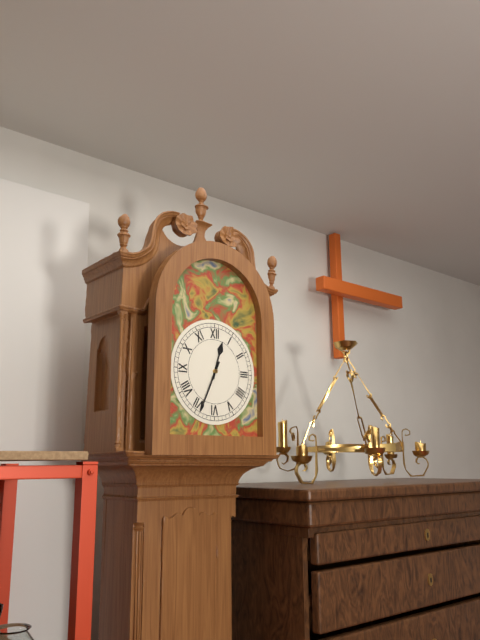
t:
12h34
